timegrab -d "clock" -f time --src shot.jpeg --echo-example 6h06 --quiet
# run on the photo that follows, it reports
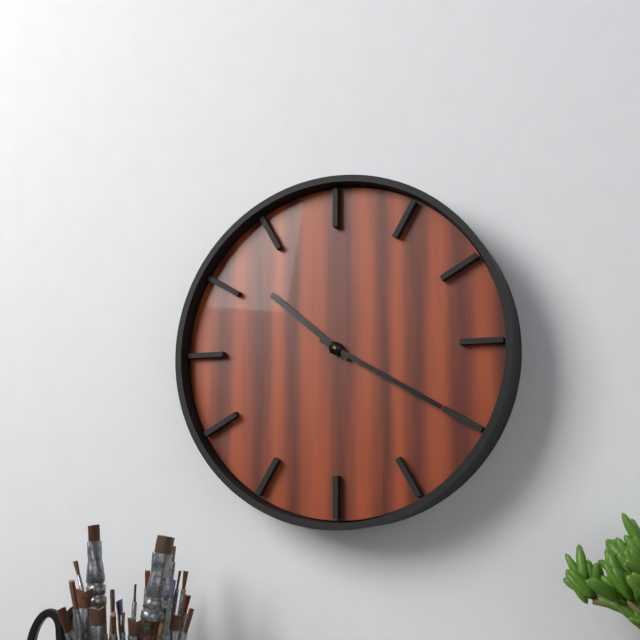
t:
10h20
